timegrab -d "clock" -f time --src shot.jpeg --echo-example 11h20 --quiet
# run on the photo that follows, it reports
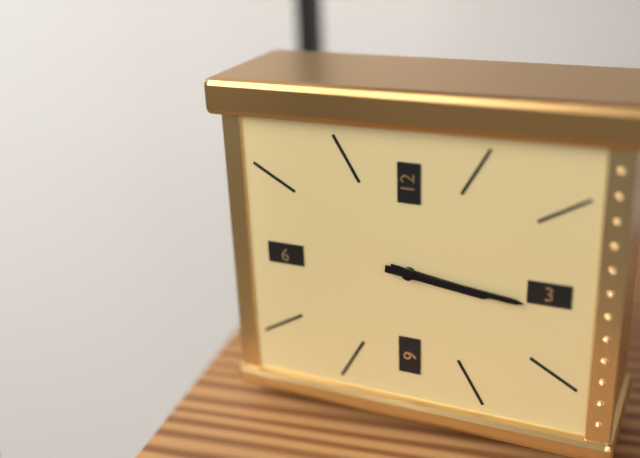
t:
3h16
